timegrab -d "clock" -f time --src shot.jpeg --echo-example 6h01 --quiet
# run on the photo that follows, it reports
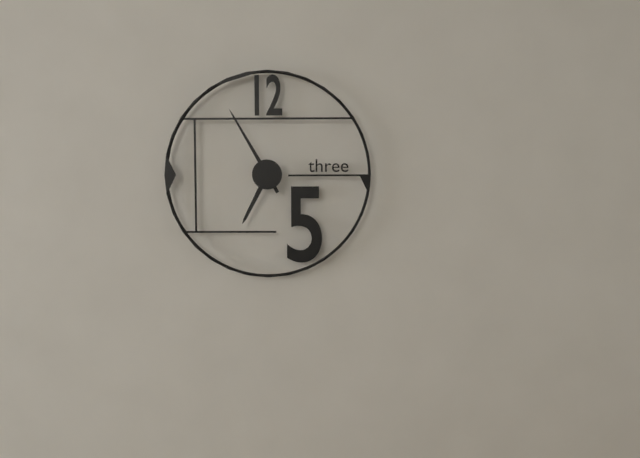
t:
6h55
